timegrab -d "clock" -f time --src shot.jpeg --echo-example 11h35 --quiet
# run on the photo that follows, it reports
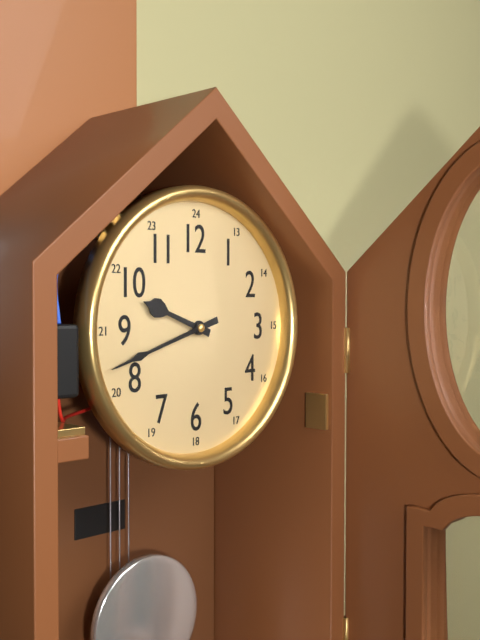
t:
9h42
